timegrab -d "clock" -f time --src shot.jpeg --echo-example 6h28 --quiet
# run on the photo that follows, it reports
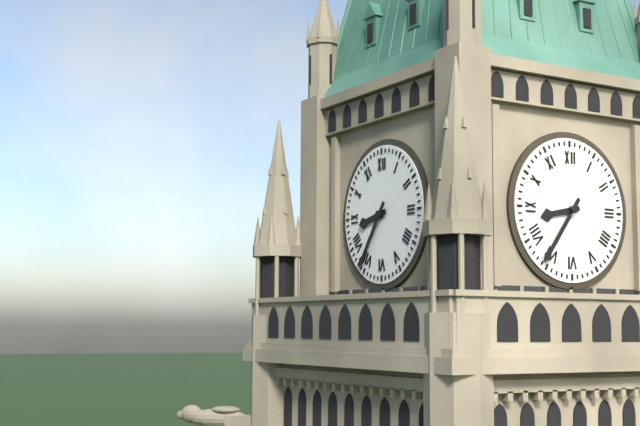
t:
8h36
